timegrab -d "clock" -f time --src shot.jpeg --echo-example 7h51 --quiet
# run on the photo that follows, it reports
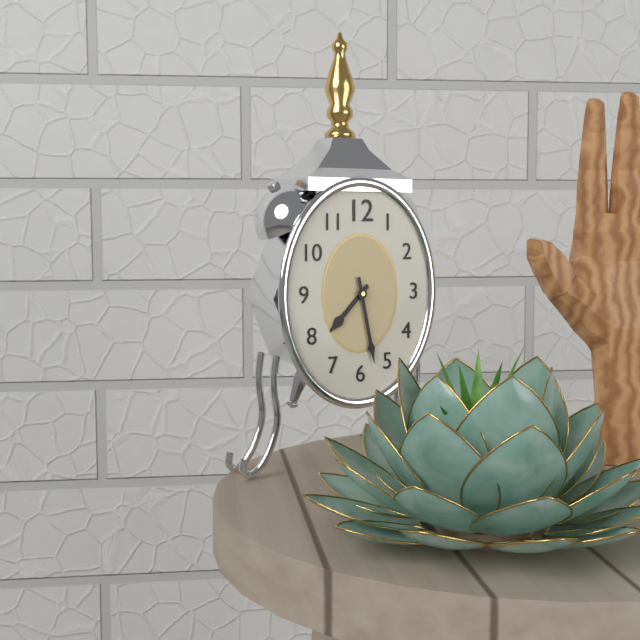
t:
7h28
